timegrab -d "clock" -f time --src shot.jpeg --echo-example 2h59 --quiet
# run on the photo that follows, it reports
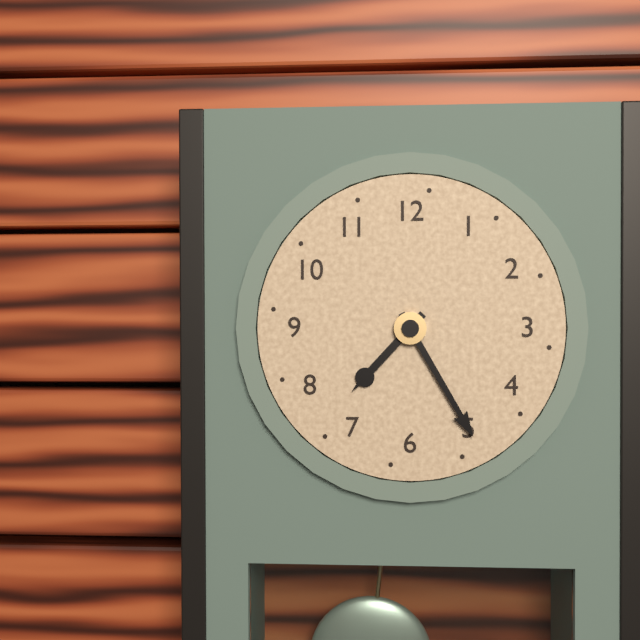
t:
7h25
